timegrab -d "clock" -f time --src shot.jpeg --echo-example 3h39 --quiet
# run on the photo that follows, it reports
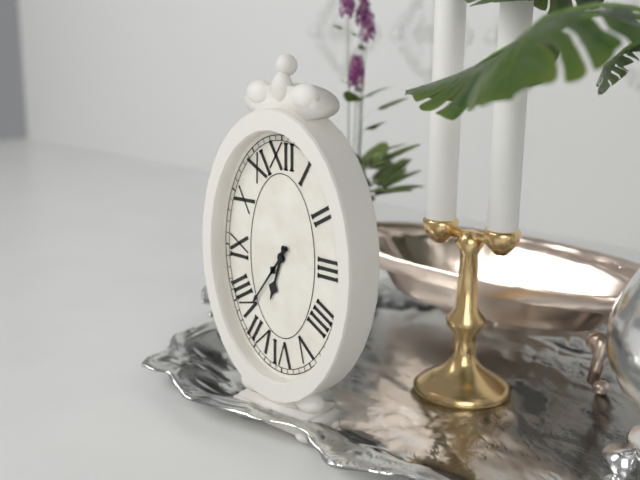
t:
6h36
